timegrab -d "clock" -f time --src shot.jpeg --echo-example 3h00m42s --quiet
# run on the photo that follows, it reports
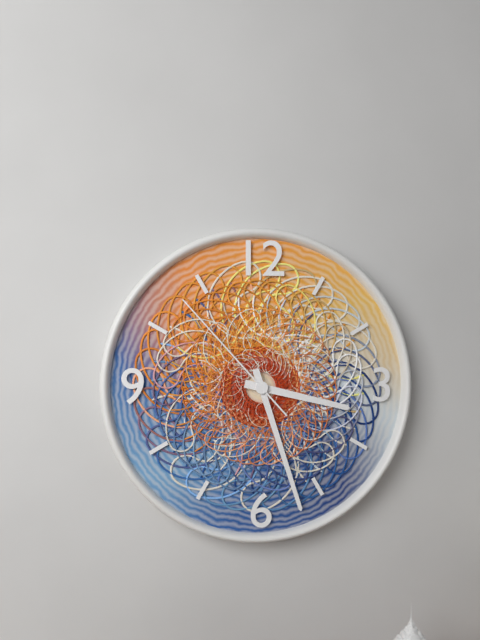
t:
3h27m53s
